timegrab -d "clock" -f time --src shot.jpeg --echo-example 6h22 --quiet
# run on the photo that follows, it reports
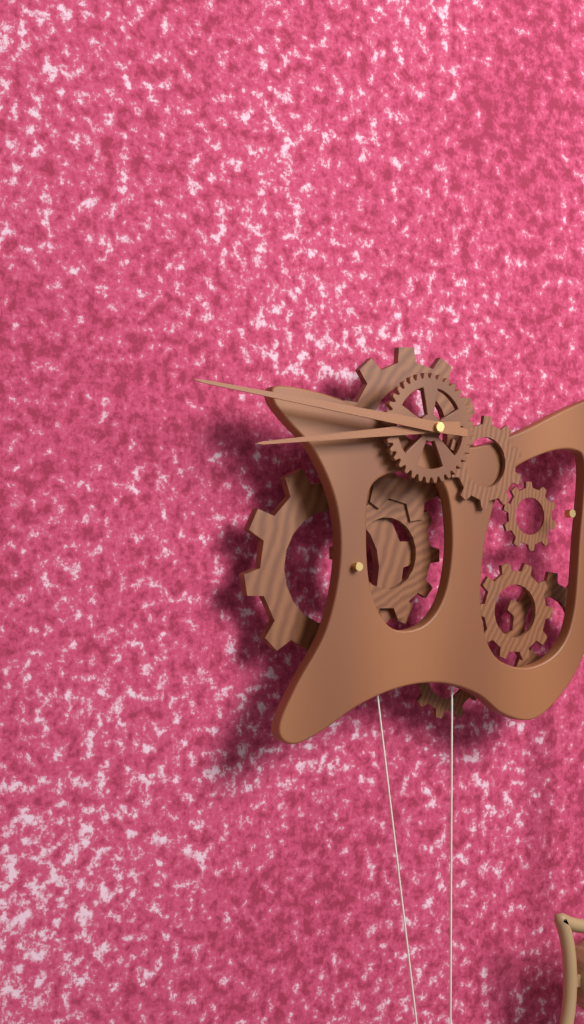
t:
8h46
